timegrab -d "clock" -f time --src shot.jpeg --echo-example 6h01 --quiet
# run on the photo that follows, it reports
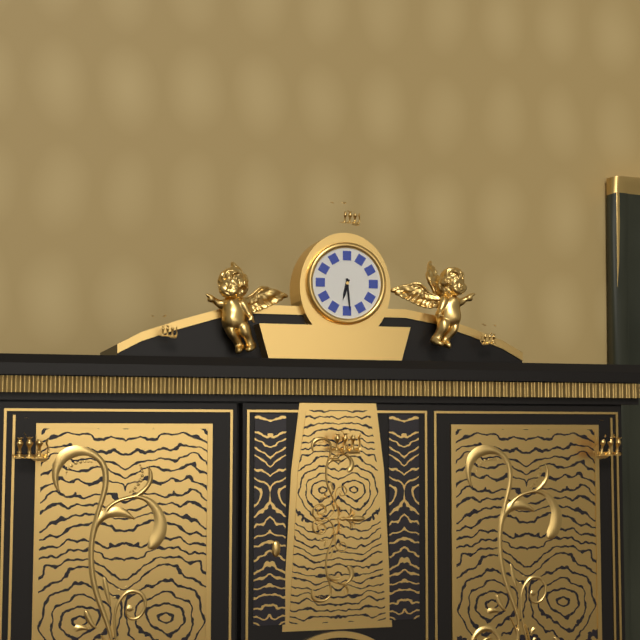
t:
6h29
